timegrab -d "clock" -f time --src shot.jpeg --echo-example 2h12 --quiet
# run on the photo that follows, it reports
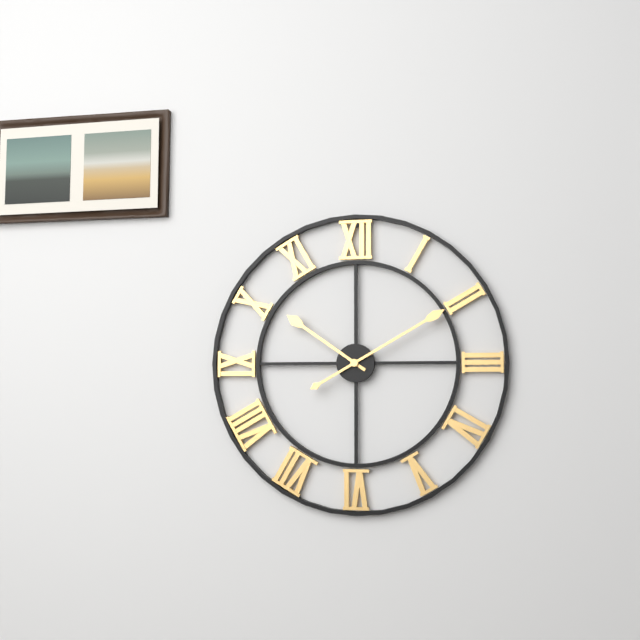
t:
10h10
